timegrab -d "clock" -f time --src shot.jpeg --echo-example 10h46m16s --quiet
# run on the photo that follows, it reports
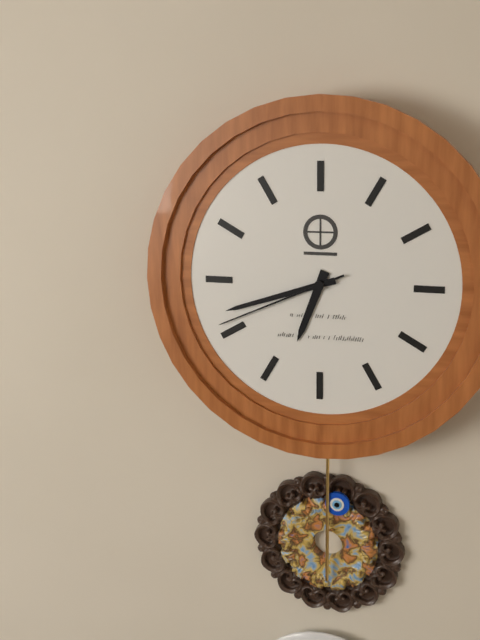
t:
6h42m41s
